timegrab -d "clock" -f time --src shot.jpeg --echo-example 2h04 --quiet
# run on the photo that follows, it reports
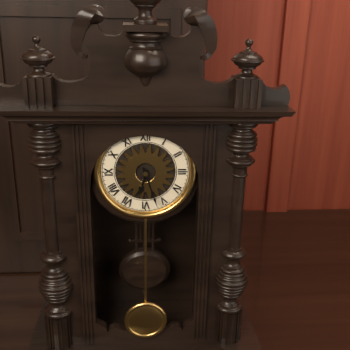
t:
6h27
